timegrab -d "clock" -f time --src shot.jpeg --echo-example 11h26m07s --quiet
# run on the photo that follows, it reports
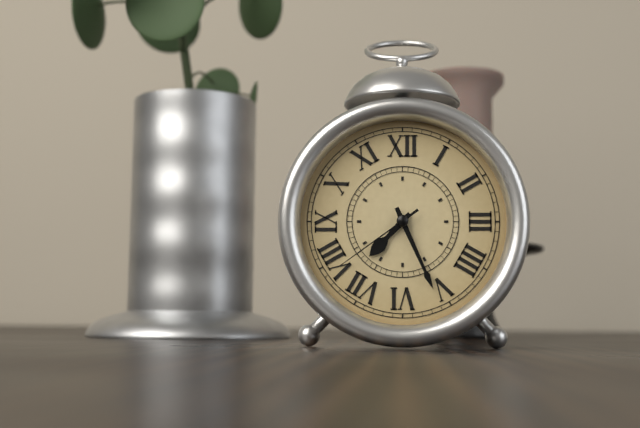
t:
7h26m39s
